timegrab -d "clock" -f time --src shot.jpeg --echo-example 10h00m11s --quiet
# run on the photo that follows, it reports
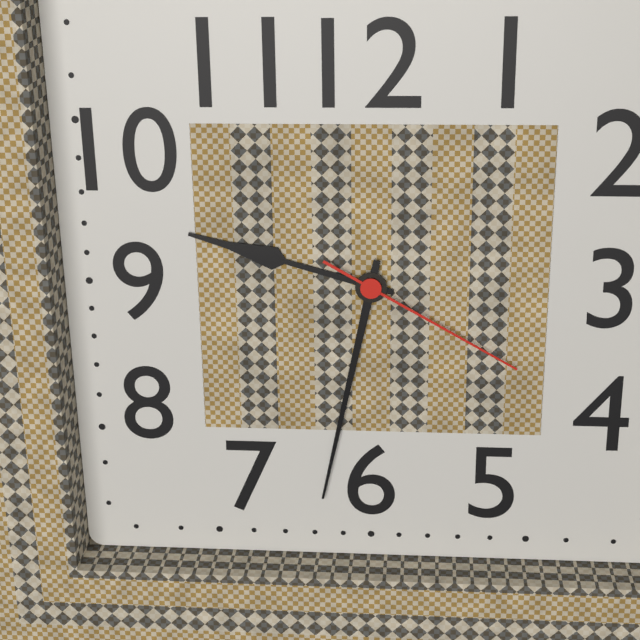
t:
9h32m20s
